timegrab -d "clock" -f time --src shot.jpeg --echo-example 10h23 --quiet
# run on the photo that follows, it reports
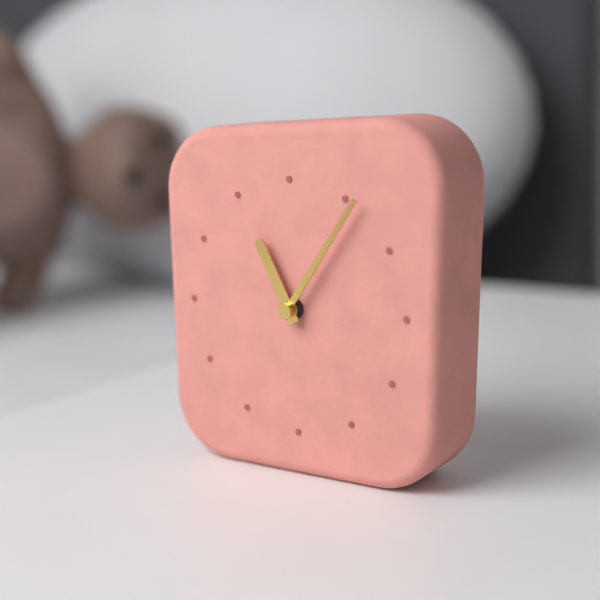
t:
11h06
